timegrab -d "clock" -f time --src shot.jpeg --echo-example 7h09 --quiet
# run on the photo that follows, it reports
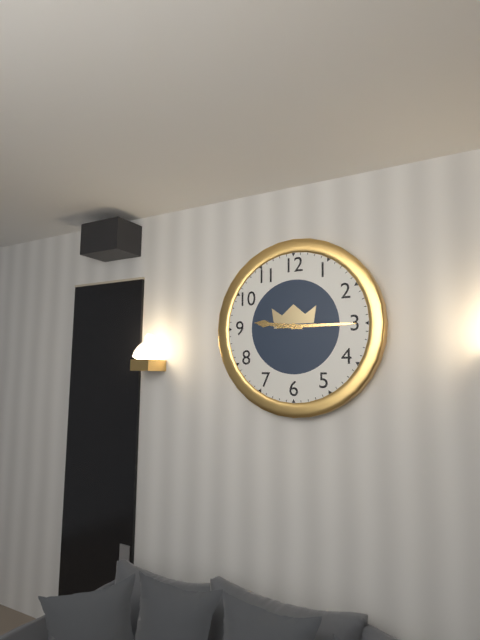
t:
9h15
